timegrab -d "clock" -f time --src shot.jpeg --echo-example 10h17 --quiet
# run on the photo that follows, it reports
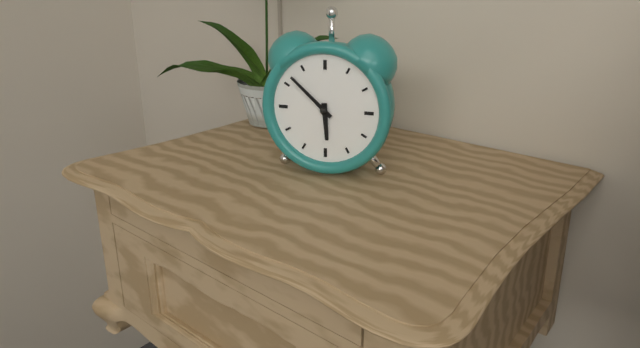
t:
5h52
